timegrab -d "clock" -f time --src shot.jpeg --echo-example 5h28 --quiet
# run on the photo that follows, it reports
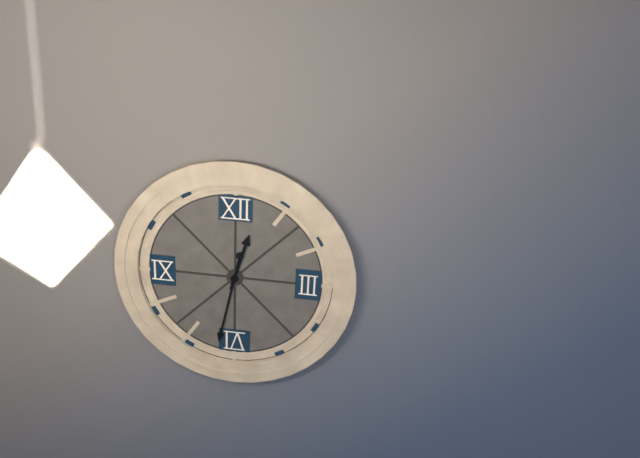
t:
12h32
